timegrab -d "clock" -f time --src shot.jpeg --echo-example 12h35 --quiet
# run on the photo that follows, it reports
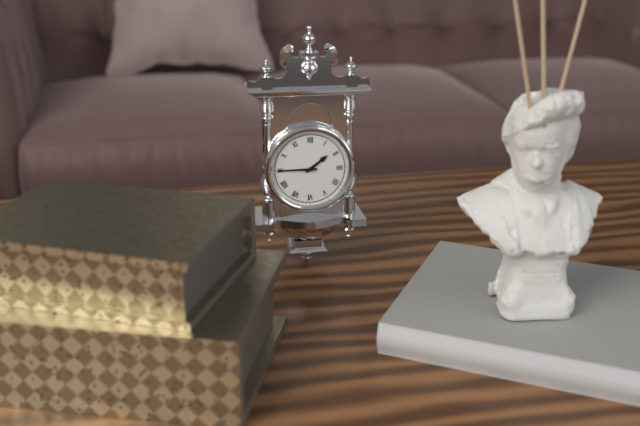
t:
1h45
